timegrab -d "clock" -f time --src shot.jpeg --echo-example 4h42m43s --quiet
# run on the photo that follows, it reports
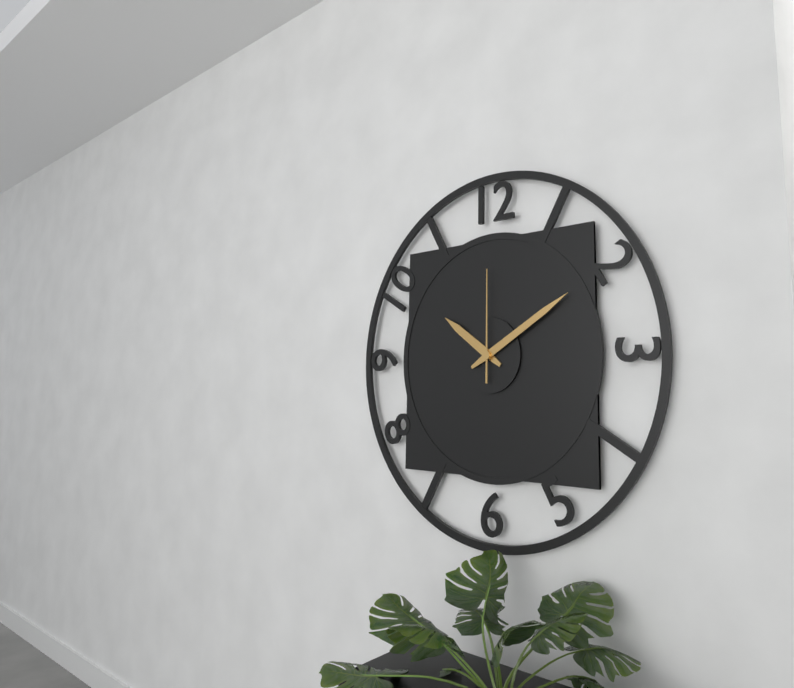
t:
10h10m00s
